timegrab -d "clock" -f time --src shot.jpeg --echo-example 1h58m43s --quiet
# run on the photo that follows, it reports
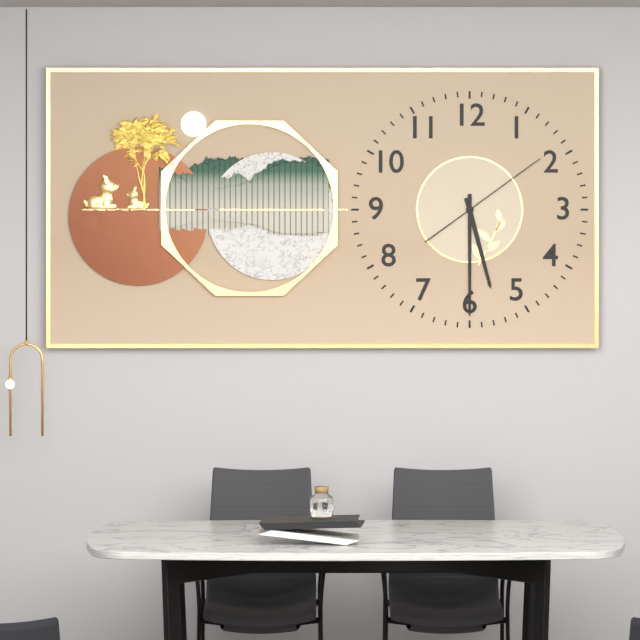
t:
5h30m09s
